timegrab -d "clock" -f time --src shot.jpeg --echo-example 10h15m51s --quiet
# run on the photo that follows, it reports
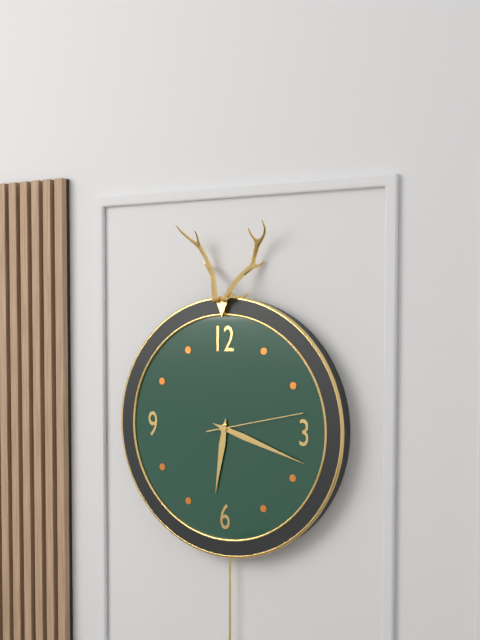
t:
6h18m13s
